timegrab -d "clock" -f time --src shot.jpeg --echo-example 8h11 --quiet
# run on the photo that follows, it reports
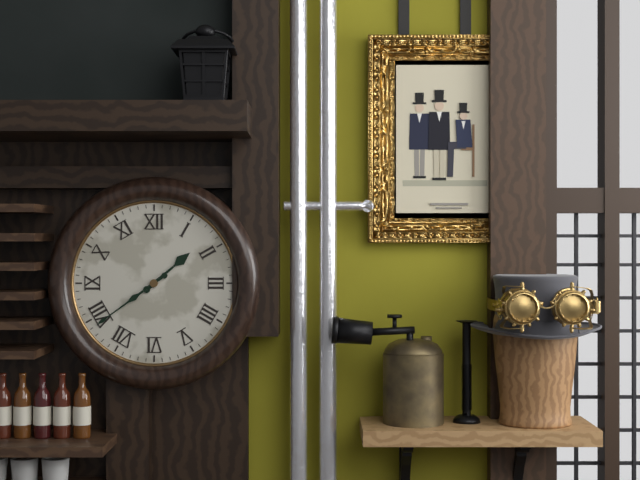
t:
1h39
